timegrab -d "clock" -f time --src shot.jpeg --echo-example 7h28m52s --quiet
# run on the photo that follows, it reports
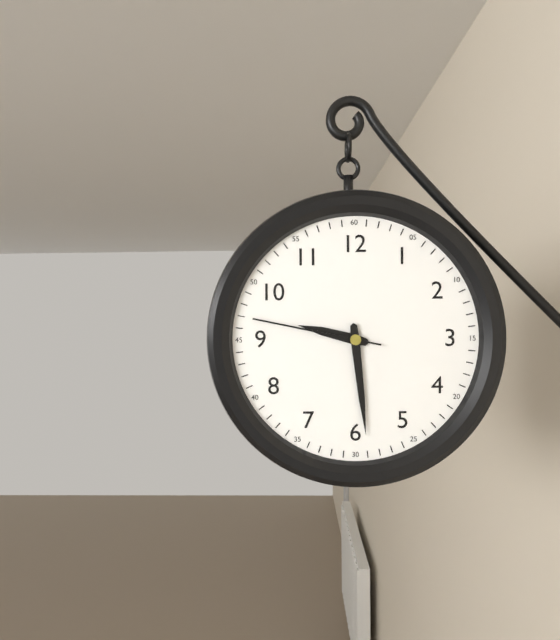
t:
9h29m47s
